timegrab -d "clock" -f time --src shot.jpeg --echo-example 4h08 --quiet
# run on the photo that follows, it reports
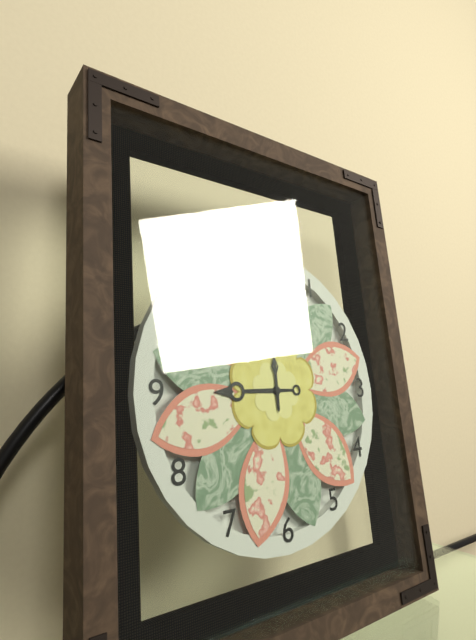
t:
9h00
